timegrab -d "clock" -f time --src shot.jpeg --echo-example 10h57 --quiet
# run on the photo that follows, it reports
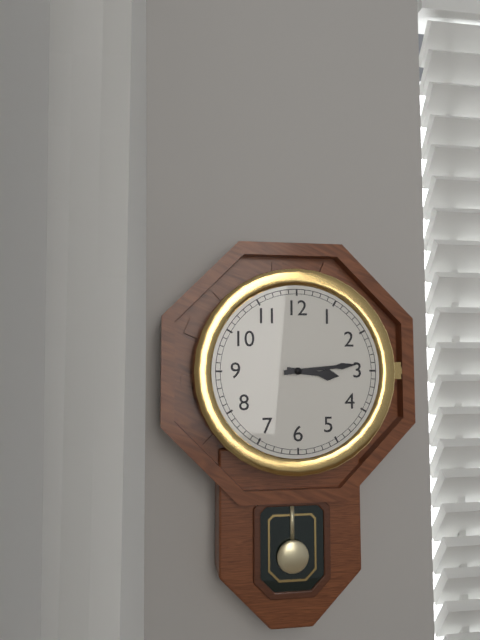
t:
3h14
